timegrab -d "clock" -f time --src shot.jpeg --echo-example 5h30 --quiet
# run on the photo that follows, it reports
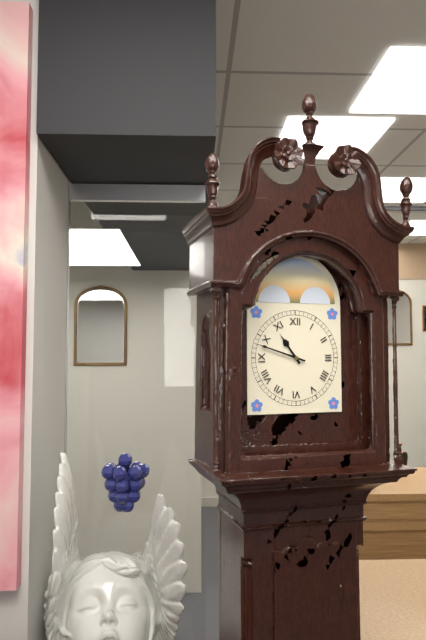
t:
10h48
